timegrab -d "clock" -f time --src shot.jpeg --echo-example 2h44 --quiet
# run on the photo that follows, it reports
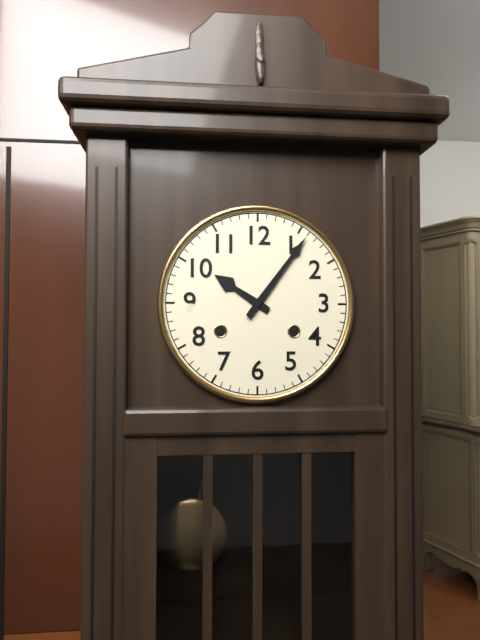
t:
10h06
